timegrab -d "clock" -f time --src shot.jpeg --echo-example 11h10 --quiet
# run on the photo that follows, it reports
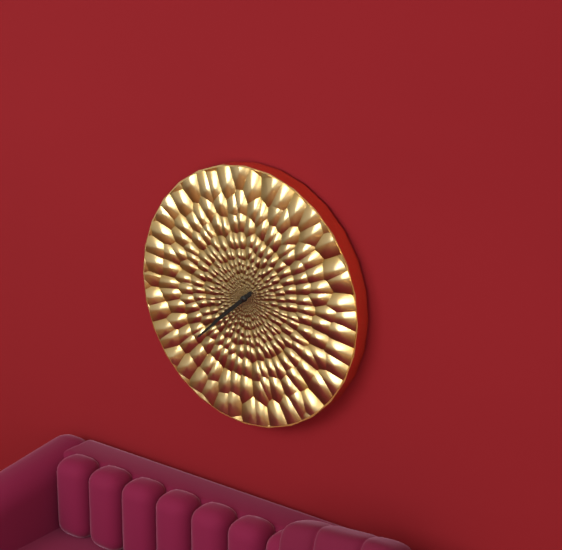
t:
7h38
